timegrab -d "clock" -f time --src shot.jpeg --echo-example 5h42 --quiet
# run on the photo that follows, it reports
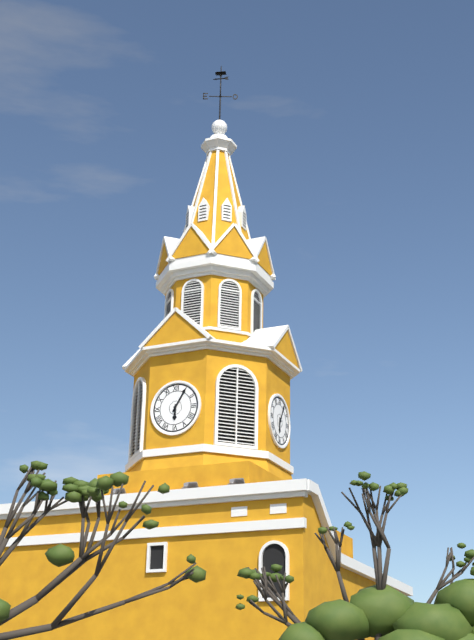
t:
6h05
